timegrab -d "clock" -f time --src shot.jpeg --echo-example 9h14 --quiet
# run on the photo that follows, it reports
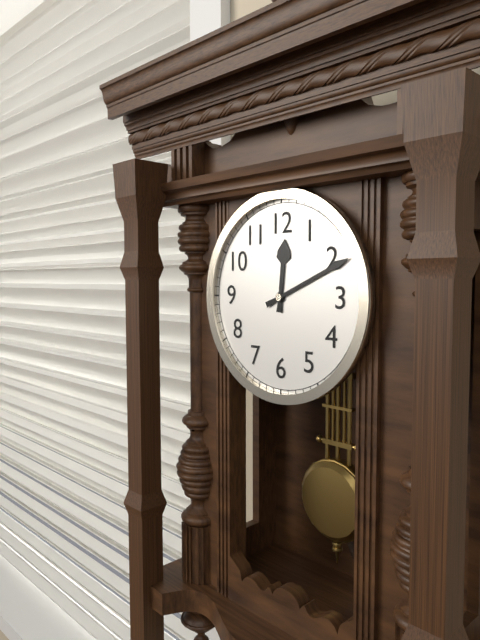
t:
12h11
